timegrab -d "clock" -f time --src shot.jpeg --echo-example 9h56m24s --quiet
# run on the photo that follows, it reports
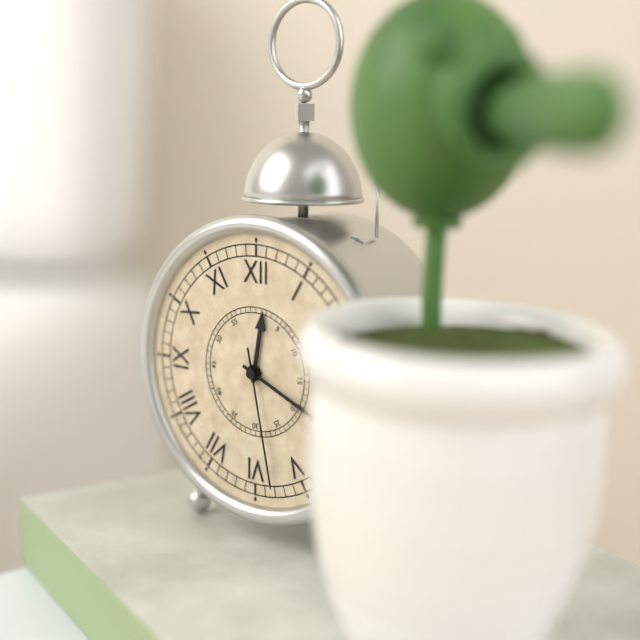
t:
12h19m28s
